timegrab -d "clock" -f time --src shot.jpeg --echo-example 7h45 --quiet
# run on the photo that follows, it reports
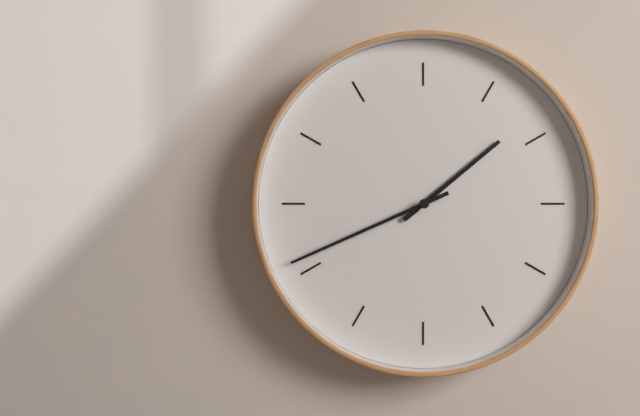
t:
1h41
